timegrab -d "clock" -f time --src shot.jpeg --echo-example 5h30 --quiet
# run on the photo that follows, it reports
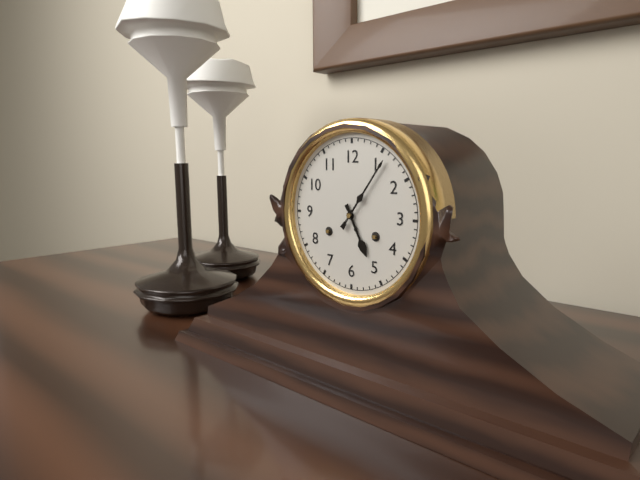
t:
5h06
